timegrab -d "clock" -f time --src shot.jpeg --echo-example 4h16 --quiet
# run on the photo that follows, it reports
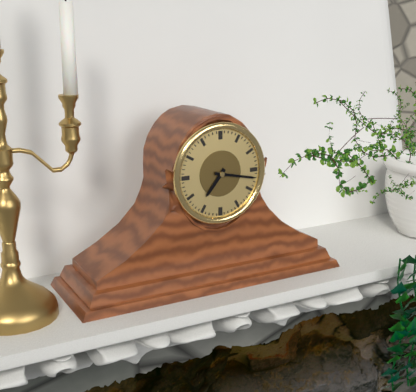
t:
7h17
